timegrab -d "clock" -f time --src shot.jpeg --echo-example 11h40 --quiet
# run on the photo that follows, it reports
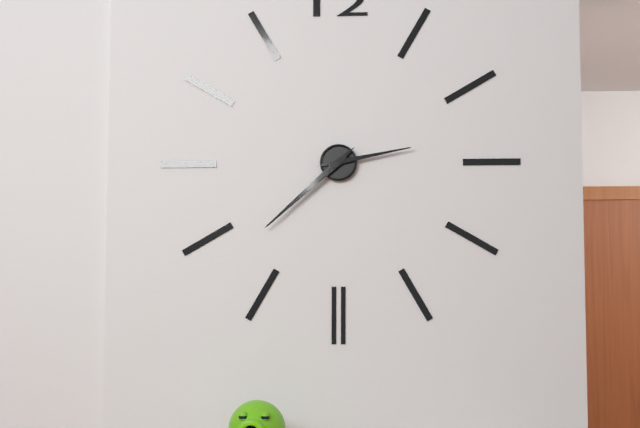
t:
2h38
